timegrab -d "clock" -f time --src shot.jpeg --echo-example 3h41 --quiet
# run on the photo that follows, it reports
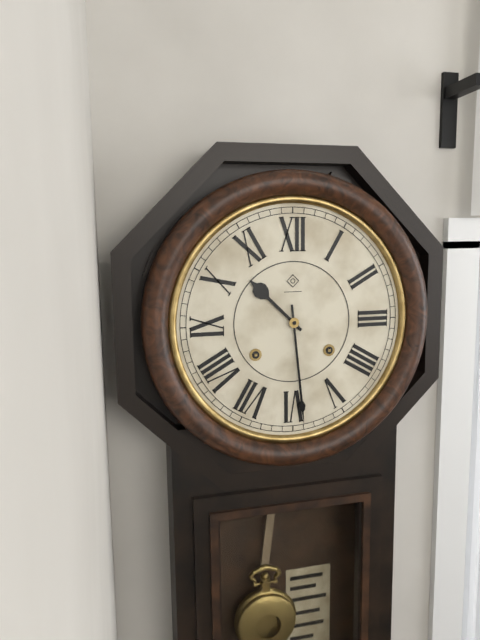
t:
10h29
